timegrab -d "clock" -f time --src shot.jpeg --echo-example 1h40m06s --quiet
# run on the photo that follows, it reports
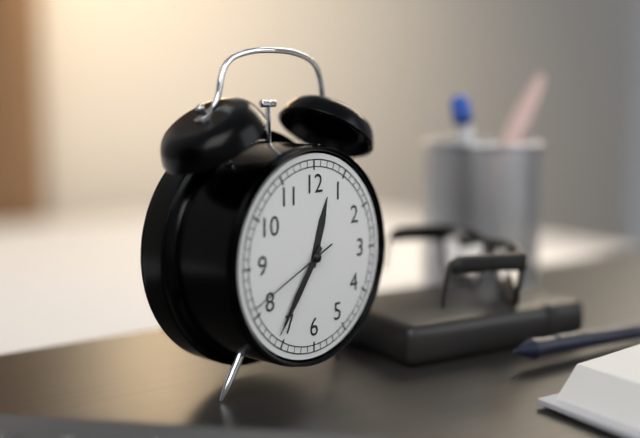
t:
12h36m41s
